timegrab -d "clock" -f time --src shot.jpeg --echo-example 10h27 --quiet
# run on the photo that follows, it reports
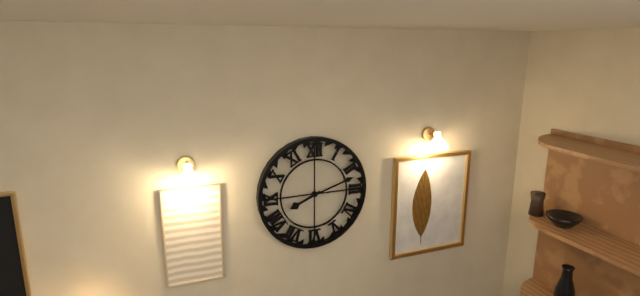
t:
8h12
